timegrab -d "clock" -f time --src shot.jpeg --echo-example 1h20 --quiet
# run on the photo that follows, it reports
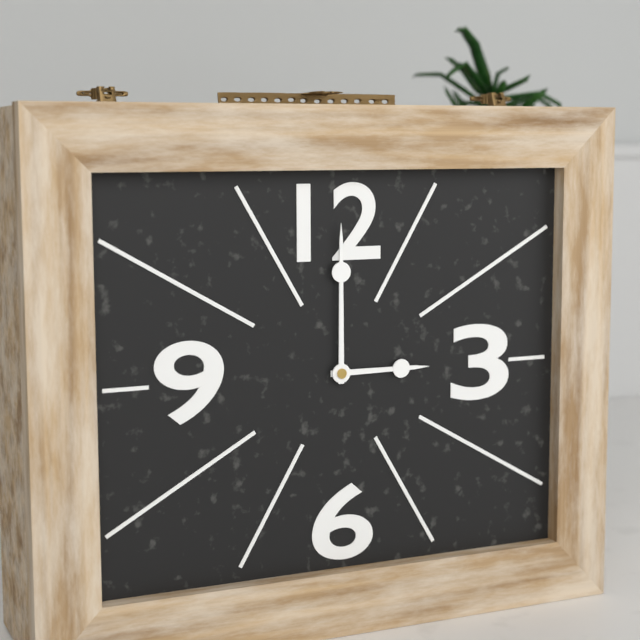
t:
3h00
